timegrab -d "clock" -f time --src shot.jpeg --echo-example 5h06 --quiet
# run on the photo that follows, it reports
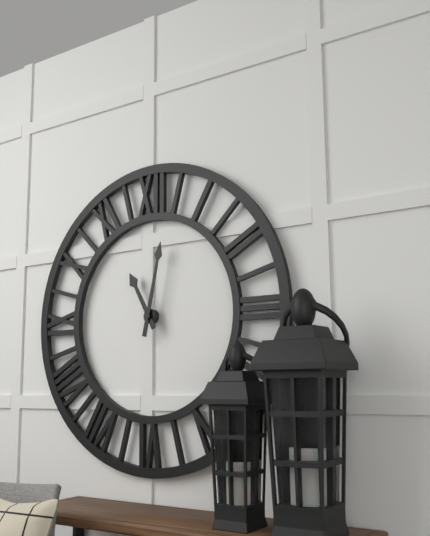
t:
11h02
